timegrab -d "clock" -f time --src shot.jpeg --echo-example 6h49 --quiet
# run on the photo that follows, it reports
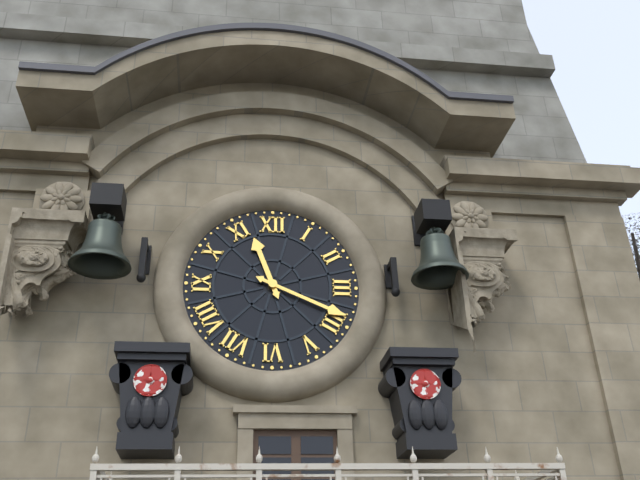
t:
11h19
